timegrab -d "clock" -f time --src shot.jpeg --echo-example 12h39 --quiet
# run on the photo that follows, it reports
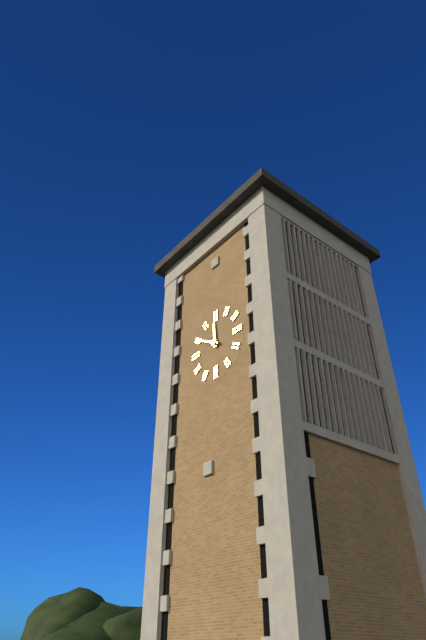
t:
11h50
